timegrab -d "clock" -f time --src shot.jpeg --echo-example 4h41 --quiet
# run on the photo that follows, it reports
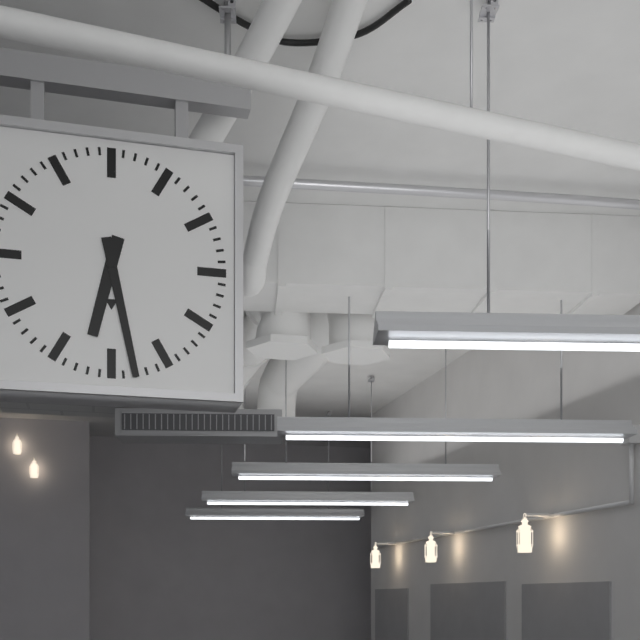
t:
6h28
